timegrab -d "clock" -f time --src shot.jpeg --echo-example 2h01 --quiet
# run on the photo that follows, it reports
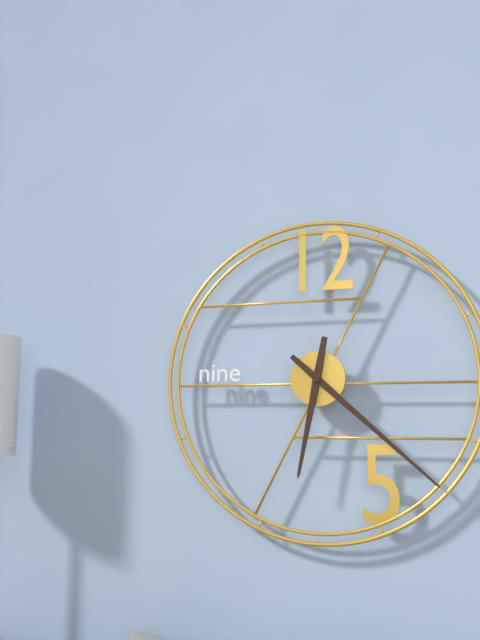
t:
6h22
